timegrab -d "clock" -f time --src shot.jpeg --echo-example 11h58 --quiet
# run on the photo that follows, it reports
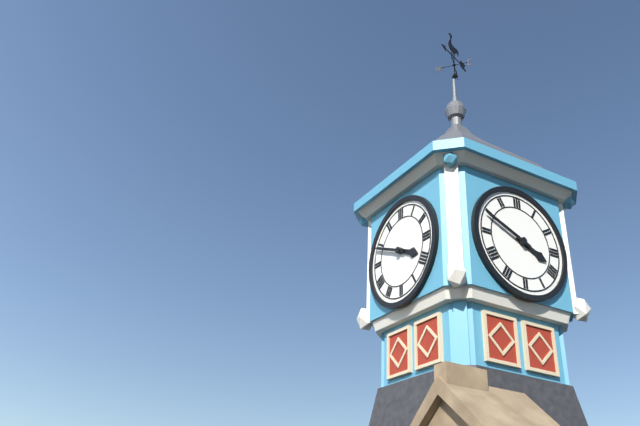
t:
3h49
